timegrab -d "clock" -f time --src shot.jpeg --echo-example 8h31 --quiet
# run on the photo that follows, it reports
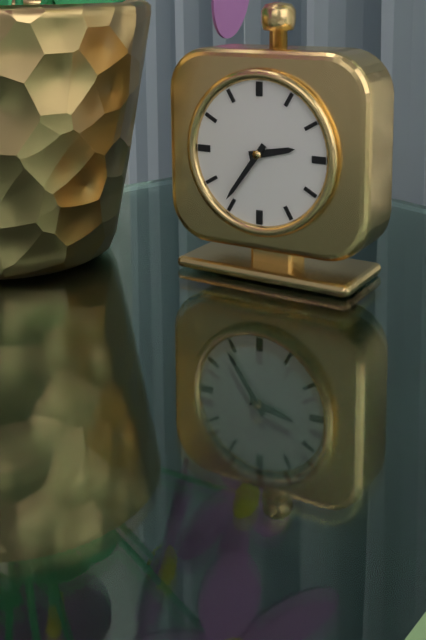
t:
2h36
